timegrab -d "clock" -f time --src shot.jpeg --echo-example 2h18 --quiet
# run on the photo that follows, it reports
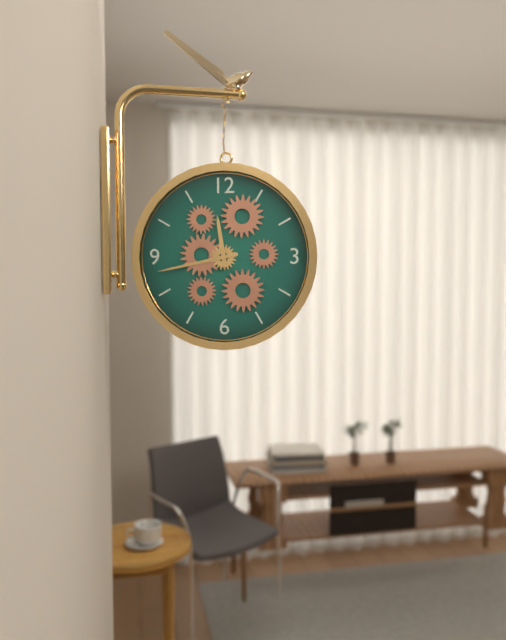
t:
11h43
